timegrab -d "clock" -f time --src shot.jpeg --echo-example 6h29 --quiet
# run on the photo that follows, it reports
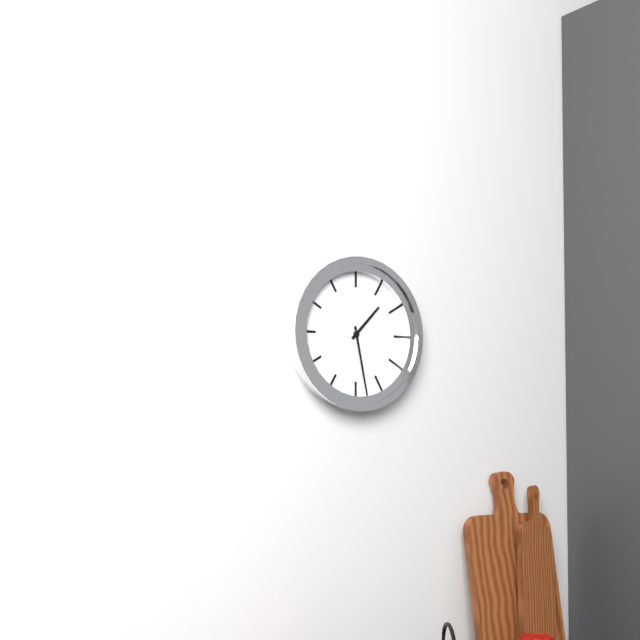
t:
1h28
